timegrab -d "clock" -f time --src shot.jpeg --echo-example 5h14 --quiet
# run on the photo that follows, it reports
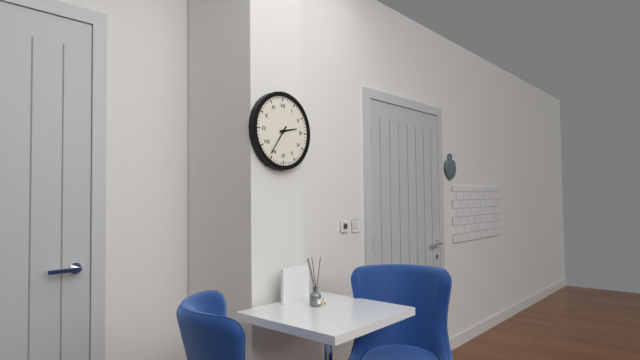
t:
2h36
